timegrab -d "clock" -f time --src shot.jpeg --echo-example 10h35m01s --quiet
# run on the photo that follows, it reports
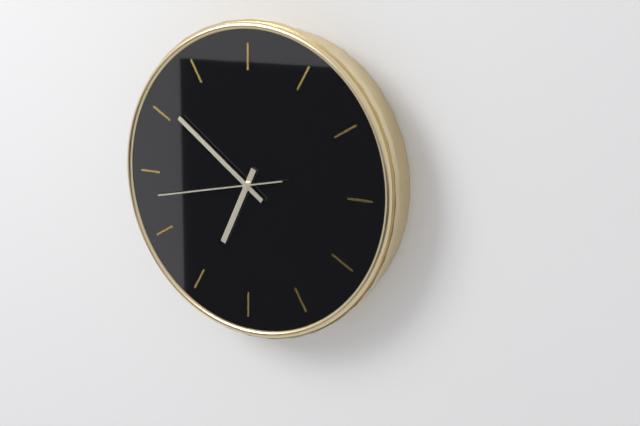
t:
6h51m43s
